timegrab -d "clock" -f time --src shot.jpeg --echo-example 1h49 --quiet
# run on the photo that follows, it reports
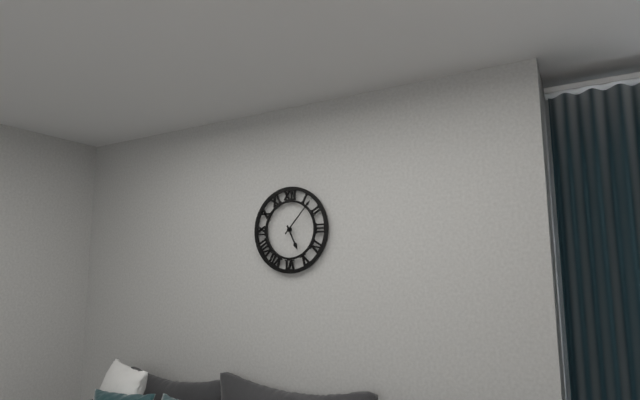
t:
5h07
